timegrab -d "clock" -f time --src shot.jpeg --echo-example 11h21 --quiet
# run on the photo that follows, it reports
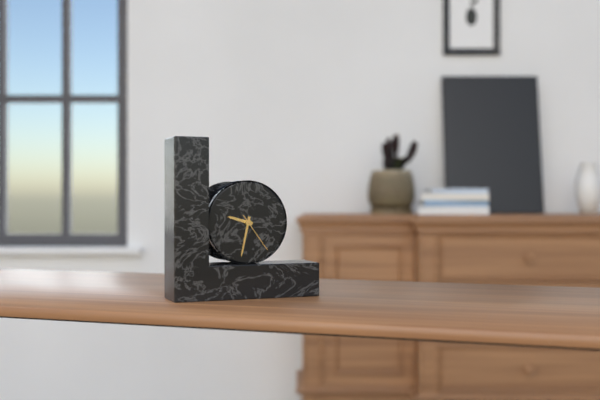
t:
9h32
